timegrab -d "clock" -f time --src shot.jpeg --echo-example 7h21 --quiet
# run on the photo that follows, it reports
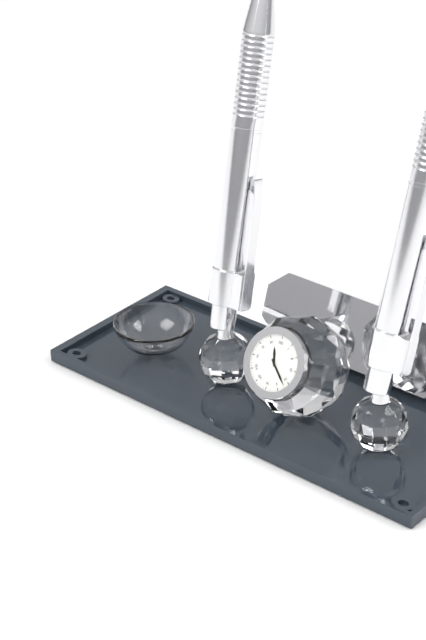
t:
11h22
